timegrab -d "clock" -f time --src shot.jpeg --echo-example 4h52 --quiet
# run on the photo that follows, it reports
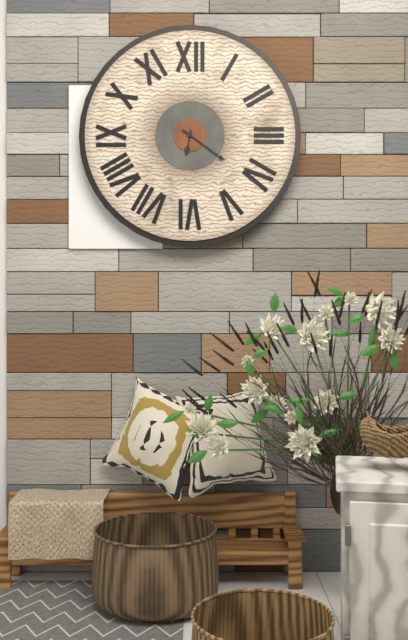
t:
6h21
